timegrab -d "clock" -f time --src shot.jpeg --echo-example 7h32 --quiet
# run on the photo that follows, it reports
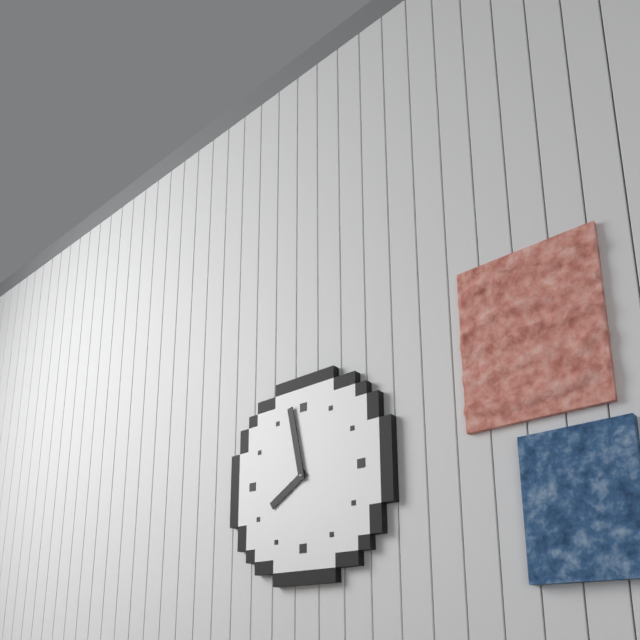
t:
7h58
